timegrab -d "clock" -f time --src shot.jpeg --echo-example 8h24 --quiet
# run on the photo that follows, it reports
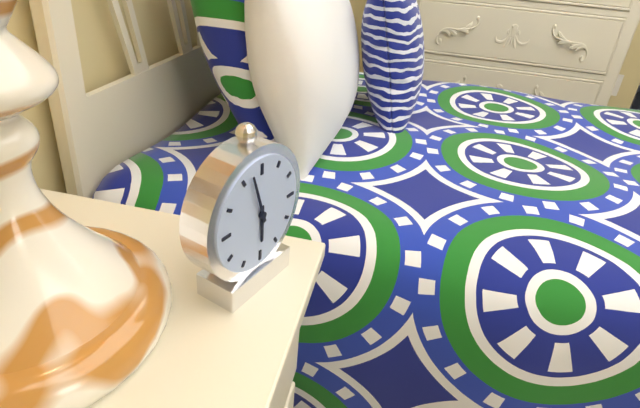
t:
5h57
